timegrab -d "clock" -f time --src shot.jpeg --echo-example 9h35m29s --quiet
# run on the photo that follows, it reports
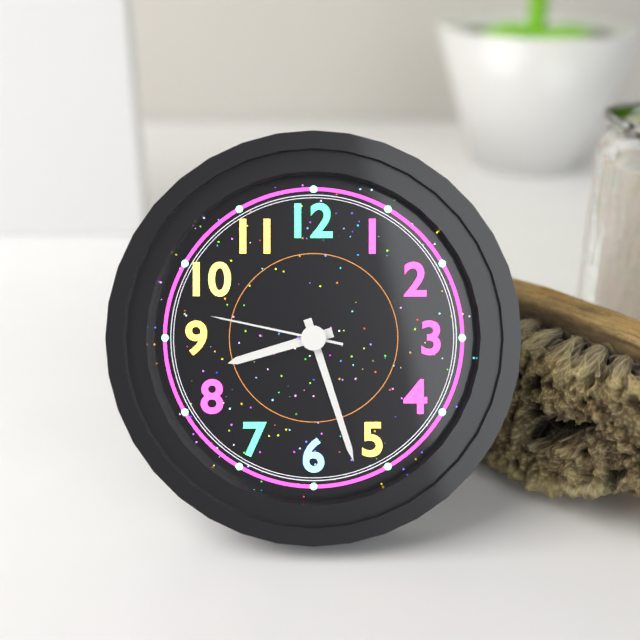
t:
8h27m47s
